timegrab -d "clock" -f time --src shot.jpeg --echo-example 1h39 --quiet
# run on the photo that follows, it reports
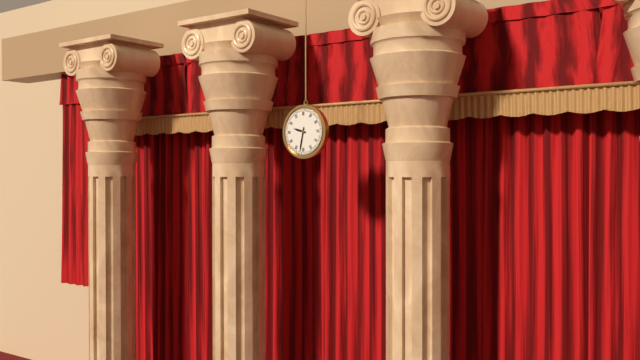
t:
9h32
